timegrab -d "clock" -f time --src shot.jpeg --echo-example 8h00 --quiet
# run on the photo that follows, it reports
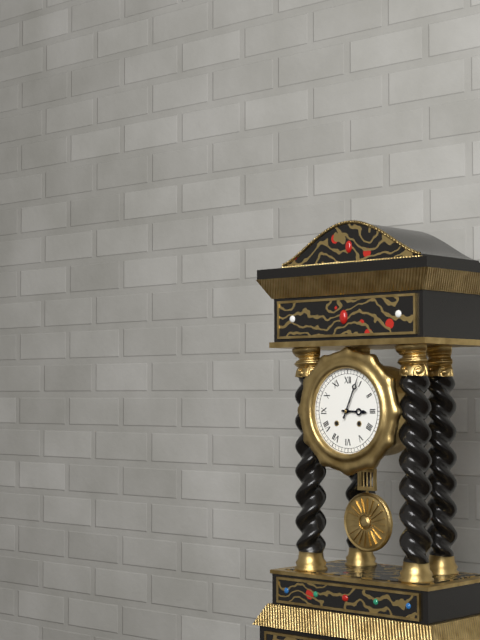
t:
3h04
